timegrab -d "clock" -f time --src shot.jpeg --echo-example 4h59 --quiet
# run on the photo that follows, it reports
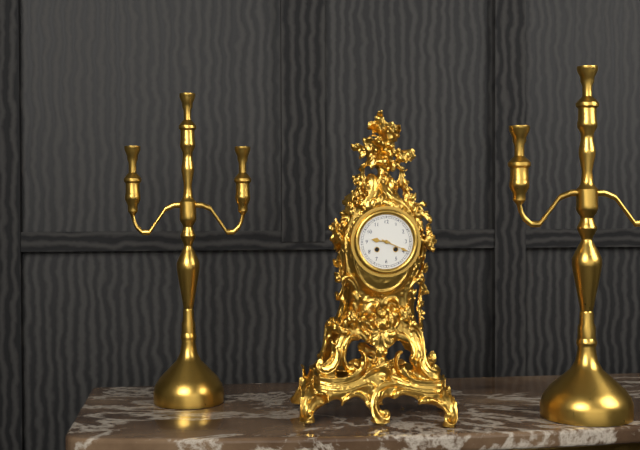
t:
9h19
